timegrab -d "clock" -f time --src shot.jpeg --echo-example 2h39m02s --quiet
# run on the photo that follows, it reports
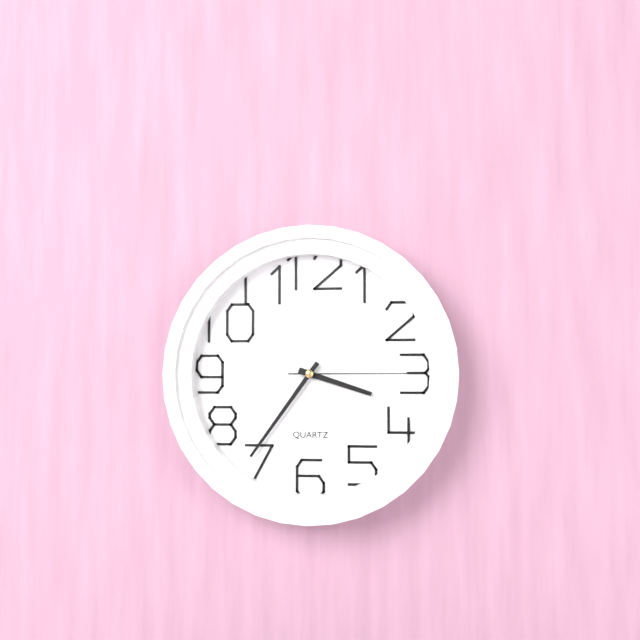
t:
3h36m15s
